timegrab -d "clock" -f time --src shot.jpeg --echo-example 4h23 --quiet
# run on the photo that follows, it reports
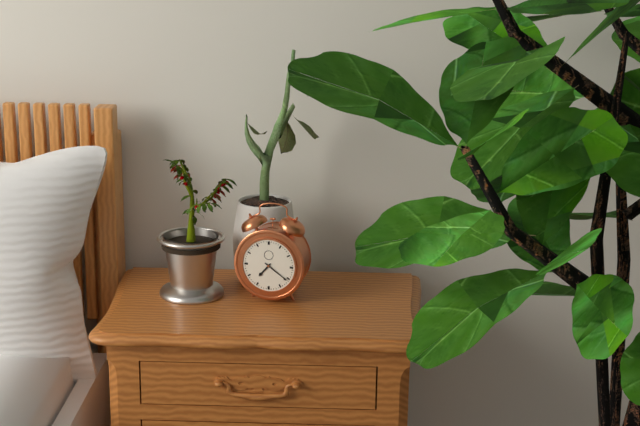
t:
7h21
